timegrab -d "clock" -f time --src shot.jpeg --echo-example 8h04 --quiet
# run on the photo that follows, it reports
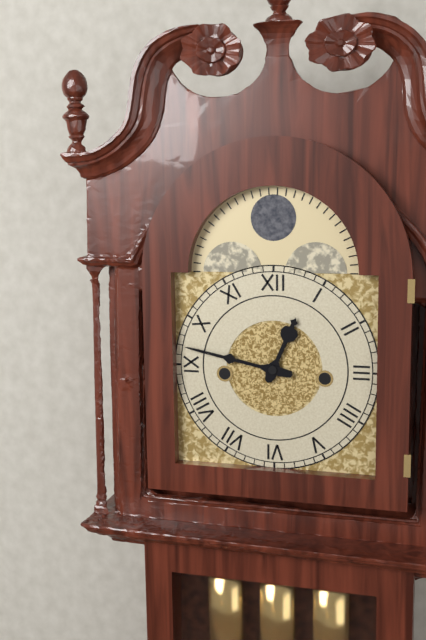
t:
12h47
